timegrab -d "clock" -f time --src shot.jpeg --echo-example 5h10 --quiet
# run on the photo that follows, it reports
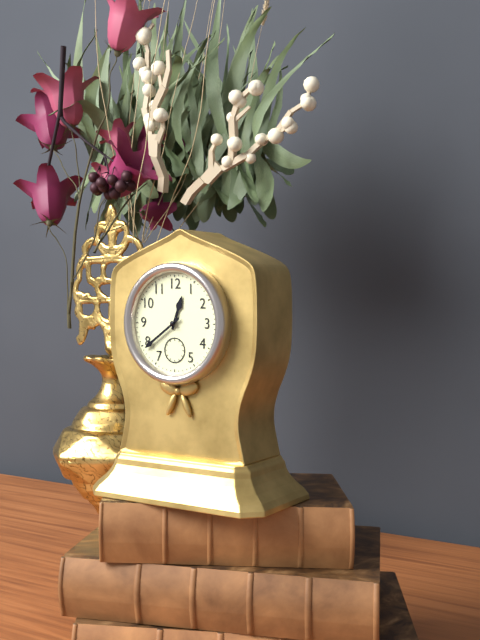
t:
12h39
